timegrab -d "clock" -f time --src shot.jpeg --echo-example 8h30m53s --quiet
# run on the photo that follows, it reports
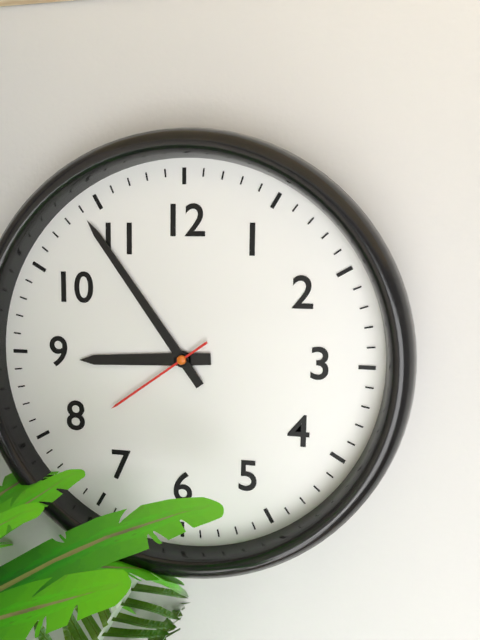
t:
8h54m39s
